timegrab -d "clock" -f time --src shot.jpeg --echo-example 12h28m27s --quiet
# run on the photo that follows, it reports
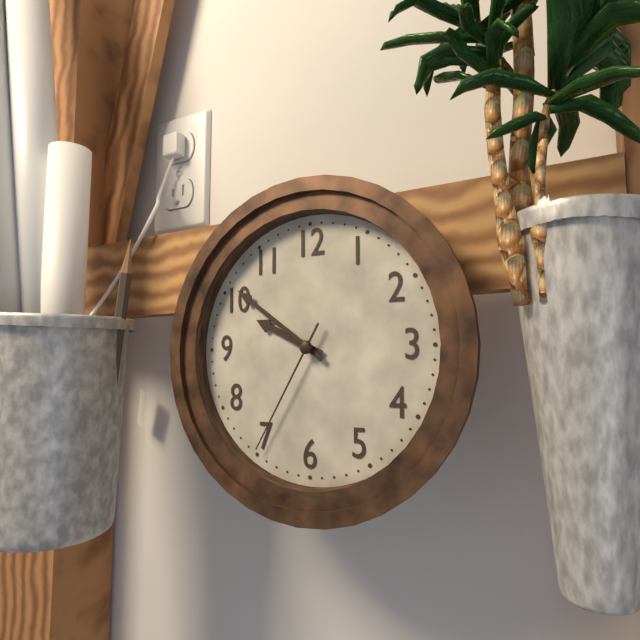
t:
9h51m35s
